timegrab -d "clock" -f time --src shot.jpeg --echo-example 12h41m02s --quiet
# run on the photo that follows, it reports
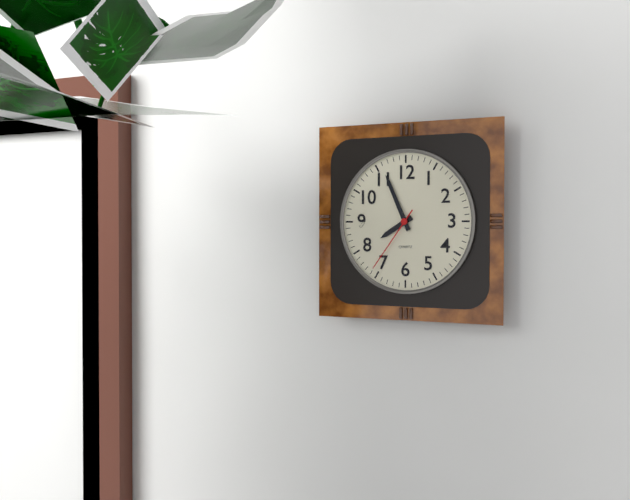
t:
7h56m36s
